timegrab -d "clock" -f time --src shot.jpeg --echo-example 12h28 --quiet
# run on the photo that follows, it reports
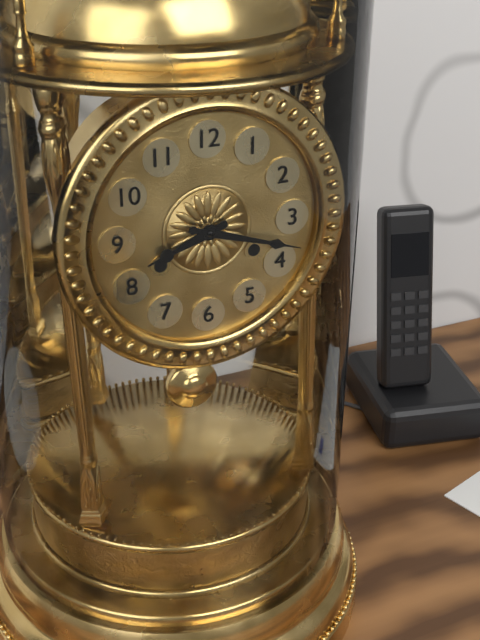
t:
8h18
